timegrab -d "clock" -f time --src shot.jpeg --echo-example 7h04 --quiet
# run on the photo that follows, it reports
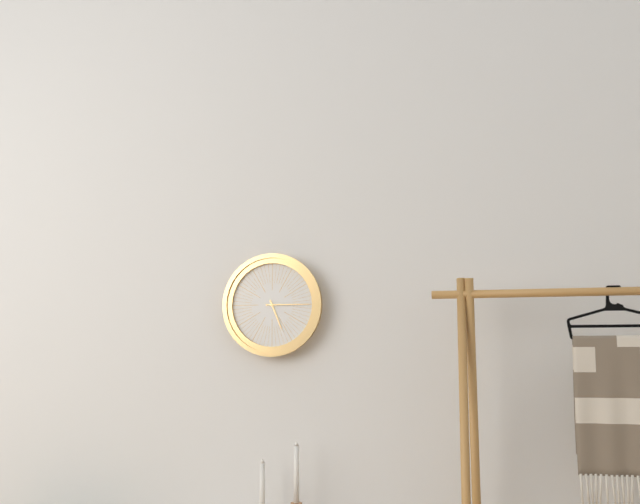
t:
5h15
